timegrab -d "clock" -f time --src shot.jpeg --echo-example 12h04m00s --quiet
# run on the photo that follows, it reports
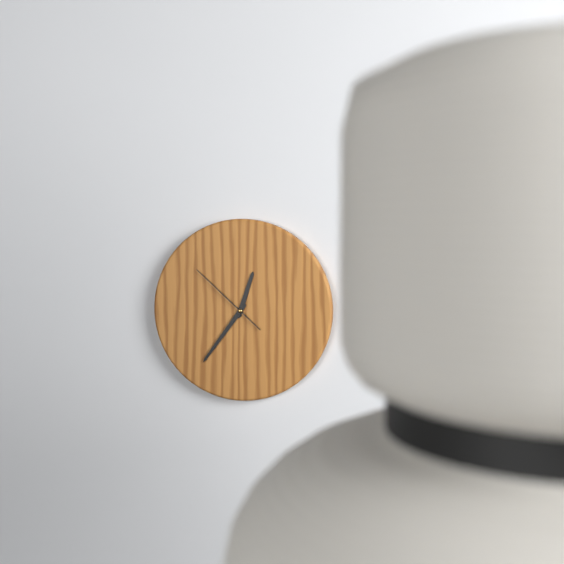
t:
12h36m52s
